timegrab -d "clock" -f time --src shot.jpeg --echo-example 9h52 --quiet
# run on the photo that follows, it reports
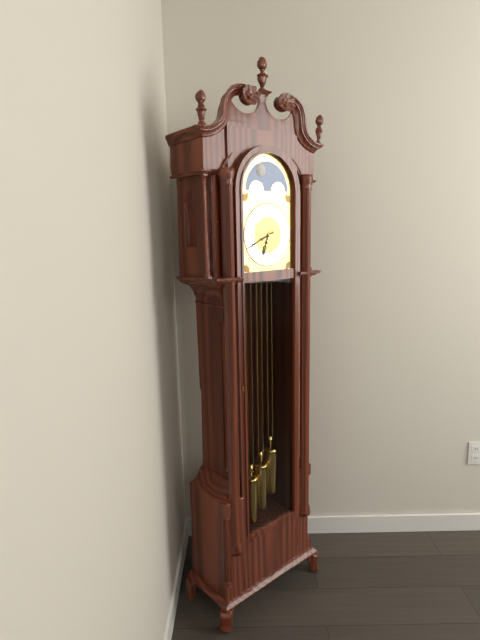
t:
6h41
